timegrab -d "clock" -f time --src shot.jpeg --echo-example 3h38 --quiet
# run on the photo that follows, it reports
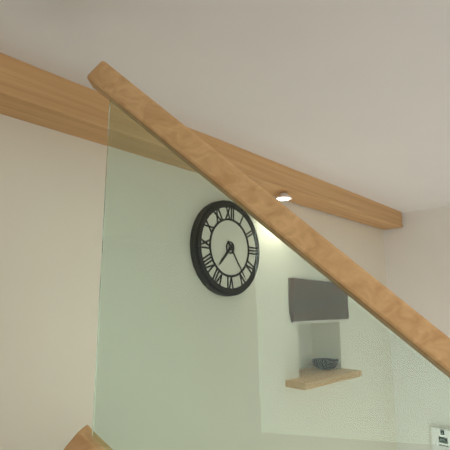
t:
7h24
